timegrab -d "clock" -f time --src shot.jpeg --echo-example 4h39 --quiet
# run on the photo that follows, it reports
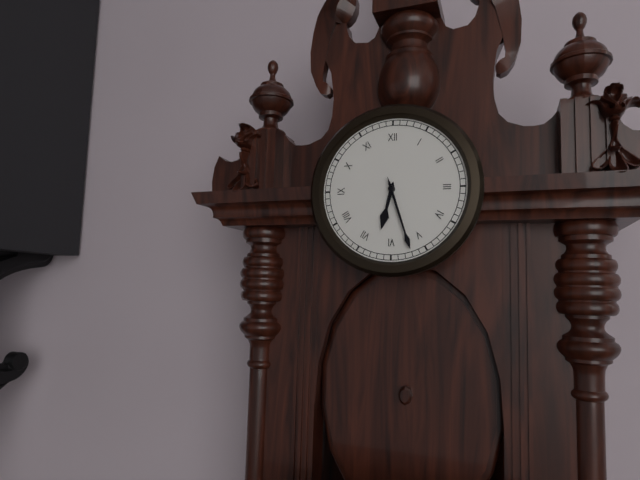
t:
6h27
